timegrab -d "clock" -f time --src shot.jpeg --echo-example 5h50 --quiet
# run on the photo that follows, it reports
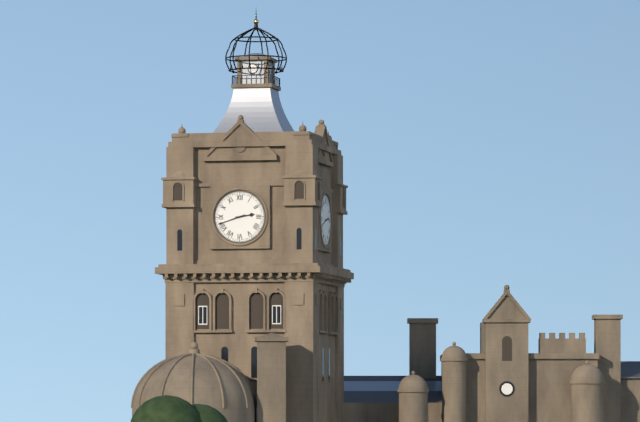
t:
2h42
